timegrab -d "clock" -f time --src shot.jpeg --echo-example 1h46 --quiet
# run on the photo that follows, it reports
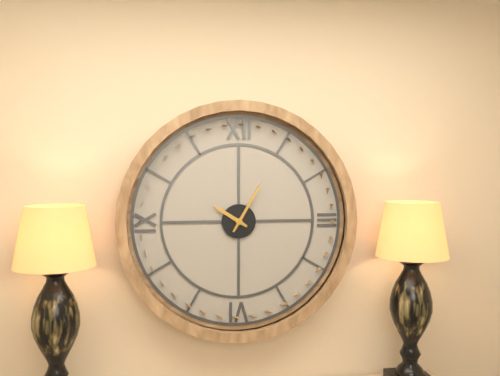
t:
10h05
